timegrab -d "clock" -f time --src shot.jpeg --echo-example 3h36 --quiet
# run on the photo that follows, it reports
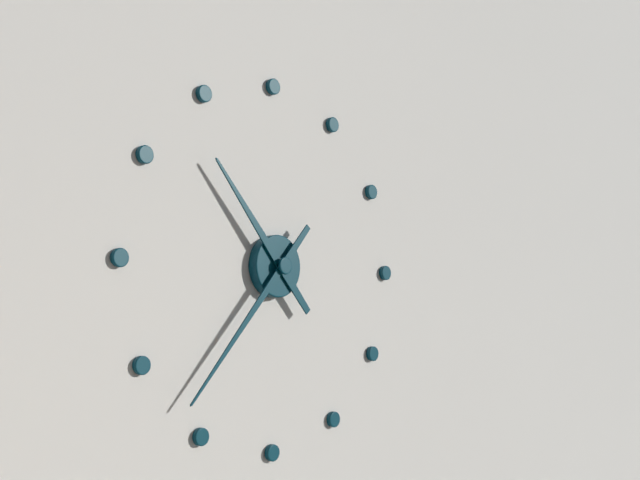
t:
10h37
